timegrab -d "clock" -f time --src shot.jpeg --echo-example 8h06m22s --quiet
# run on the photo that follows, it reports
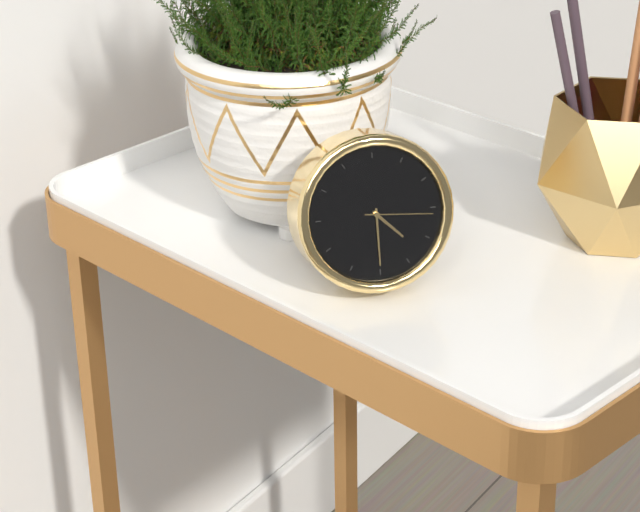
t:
4h30m16s
